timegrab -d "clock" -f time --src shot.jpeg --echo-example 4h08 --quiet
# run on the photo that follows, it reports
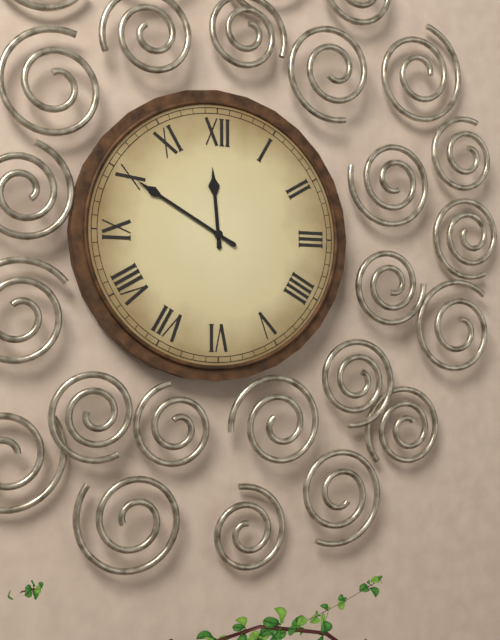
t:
11h50
